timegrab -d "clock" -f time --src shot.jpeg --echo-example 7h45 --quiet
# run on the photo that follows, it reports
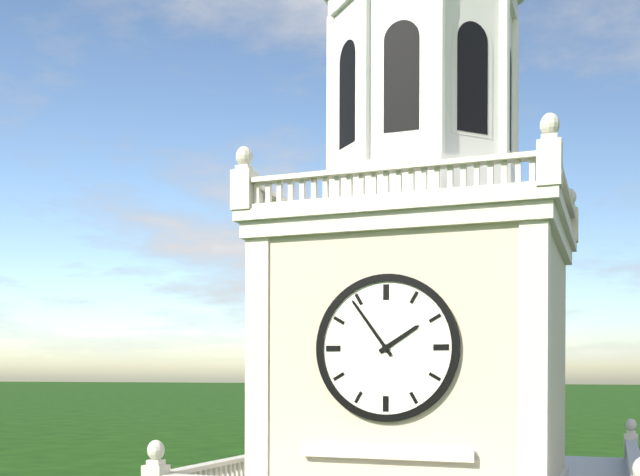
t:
1h54
